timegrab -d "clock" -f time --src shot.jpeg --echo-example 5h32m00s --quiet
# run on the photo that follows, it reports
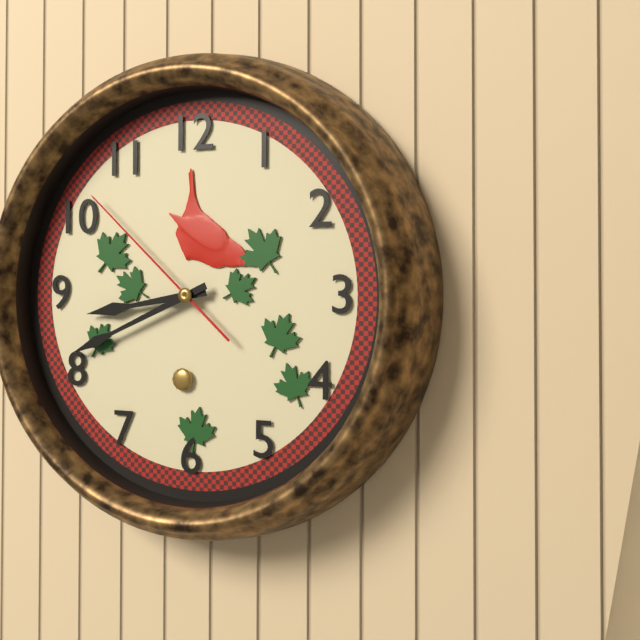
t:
8h41m52s
